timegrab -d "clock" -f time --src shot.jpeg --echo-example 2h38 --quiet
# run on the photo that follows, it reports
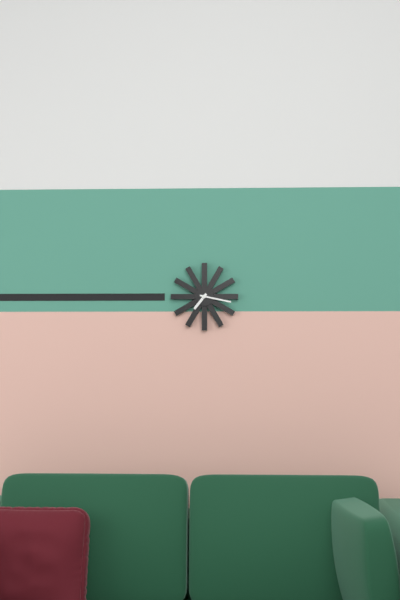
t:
7h17
